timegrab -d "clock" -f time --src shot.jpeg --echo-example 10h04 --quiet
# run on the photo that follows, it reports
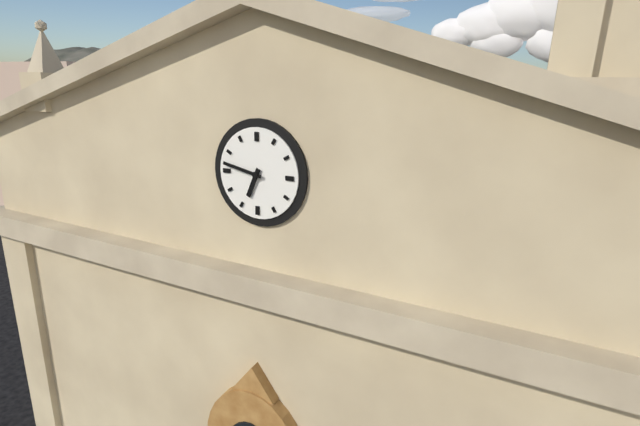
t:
6h47
